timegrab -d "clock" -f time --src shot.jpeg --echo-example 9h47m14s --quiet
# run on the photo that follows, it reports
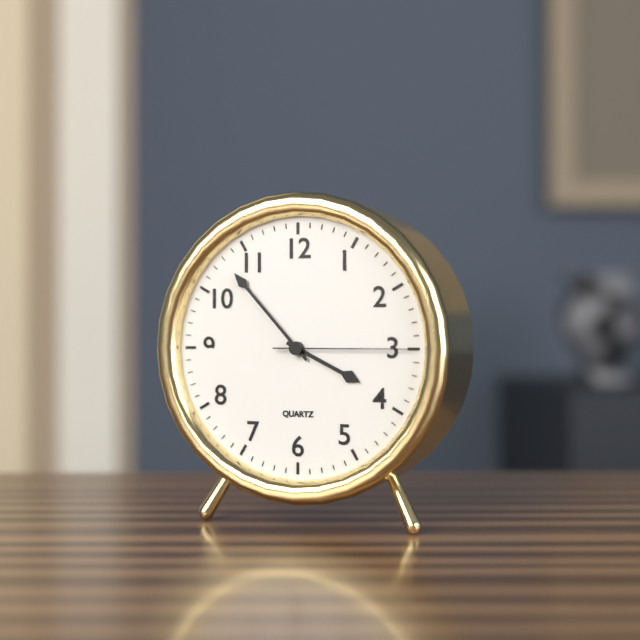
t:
3h53m15s
